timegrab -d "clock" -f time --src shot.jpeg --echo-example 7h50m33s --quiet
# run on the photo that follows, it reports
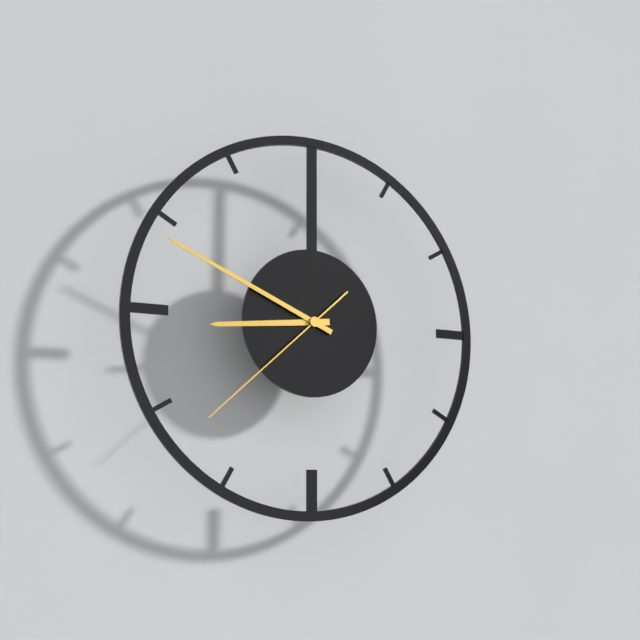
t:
8h49m38s
